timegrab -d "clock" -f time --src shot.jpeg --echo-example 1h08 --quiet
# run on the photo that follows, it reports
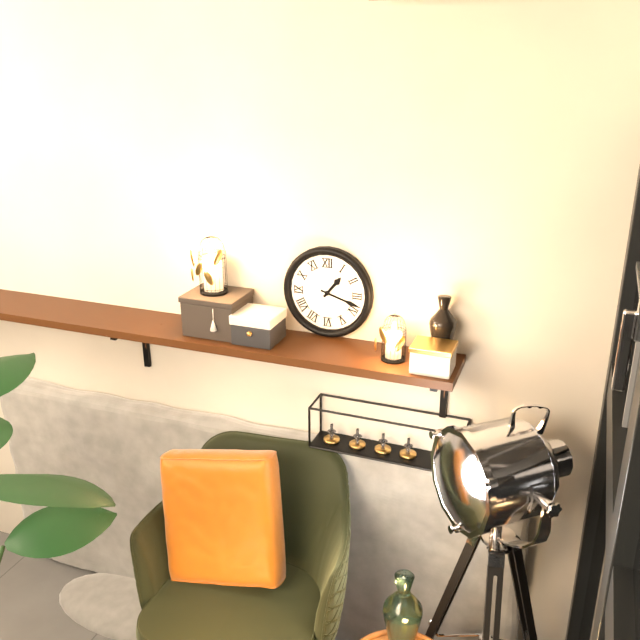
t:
1h18
